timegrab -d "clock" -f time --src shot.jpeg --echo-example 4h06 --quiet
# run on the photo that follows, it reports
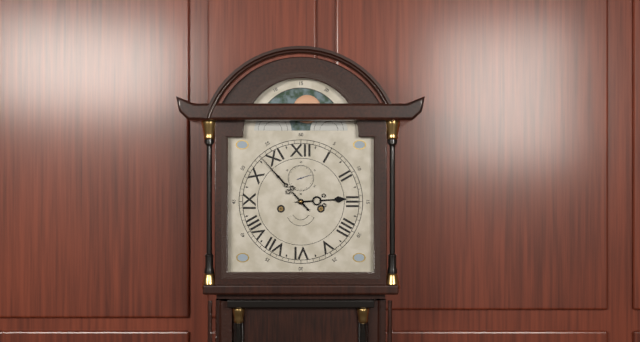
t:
2h53
